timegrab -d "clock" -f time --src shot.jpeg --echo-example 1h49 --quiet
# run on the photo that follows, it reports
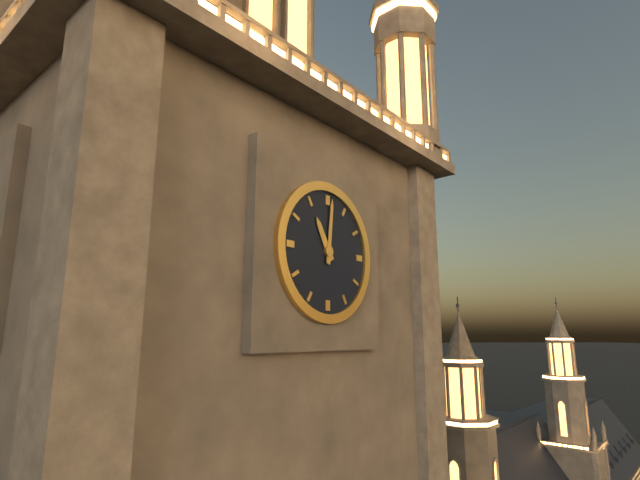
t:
11h01
